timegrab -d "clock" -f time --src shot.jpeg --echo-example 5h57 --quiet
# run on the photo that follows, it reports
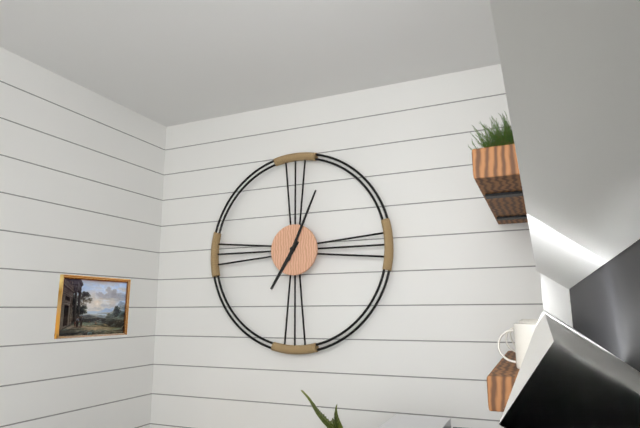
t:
7h04
